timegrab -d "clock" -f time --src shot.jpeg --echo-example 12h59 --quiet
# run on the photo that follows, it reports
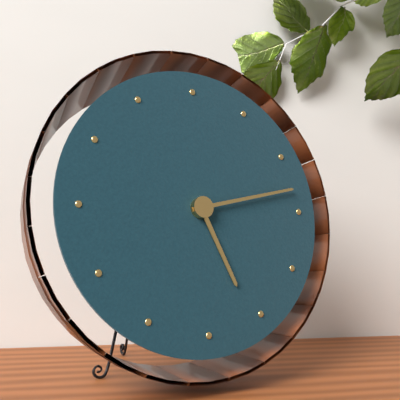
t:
5h13
